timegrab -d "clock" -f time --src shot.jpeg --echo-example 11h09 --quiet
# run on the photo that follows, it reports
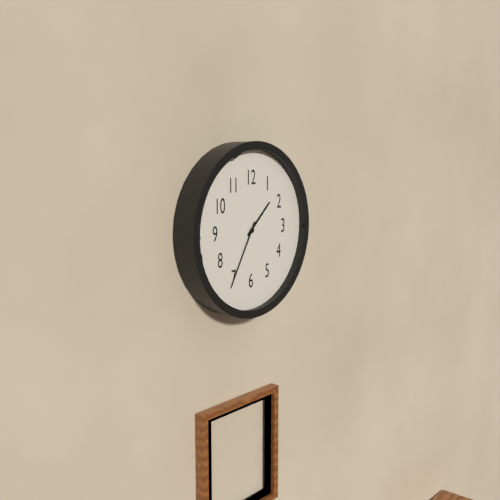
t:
1h35
